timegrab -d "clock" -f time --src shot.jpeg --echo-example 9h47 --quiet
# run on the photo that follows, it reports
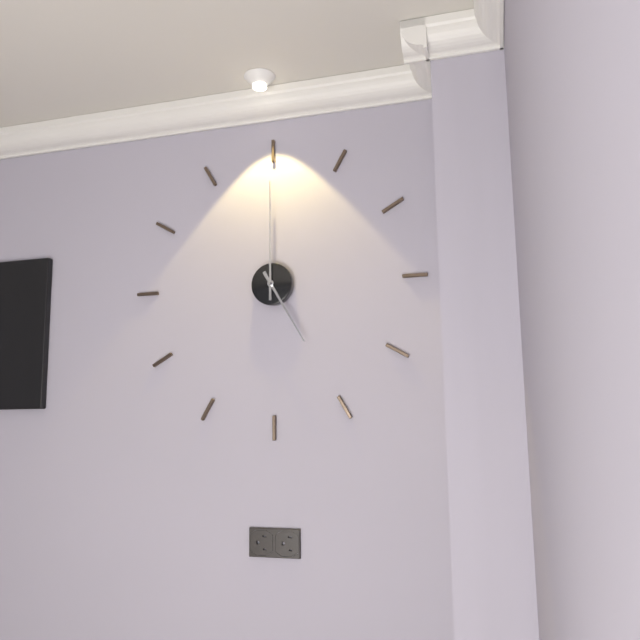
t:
5h00
